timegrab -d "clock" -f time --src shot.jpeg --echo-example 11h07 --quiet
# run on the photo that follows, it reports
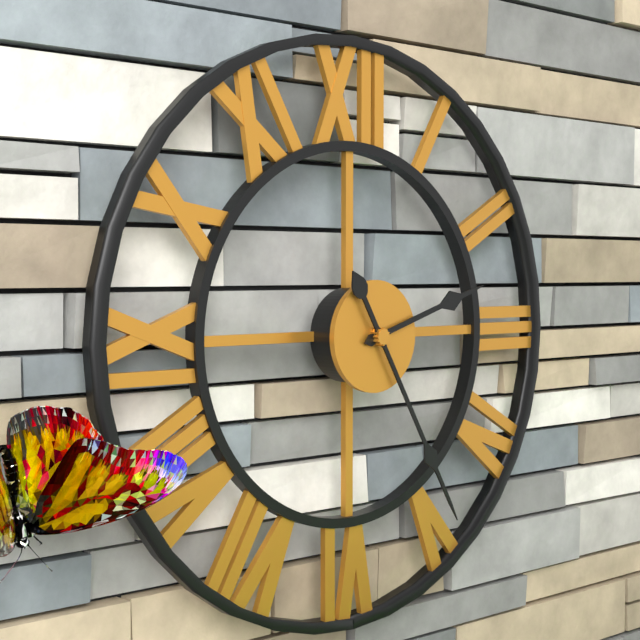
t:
2h25
